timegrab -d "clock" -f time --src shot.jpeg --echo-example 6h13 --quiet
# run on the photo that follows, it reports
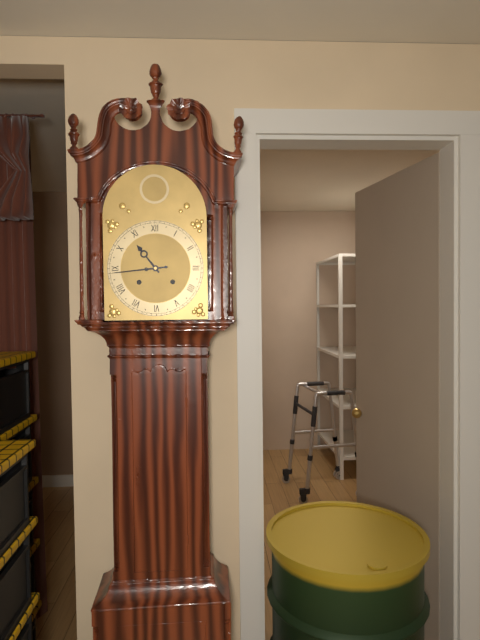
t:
10h44
